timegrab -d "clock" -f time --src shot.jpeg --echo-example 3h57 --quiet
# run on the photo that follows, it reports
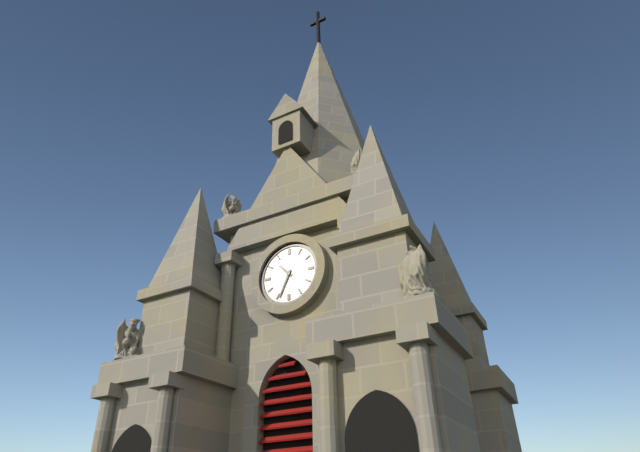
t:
10h34
